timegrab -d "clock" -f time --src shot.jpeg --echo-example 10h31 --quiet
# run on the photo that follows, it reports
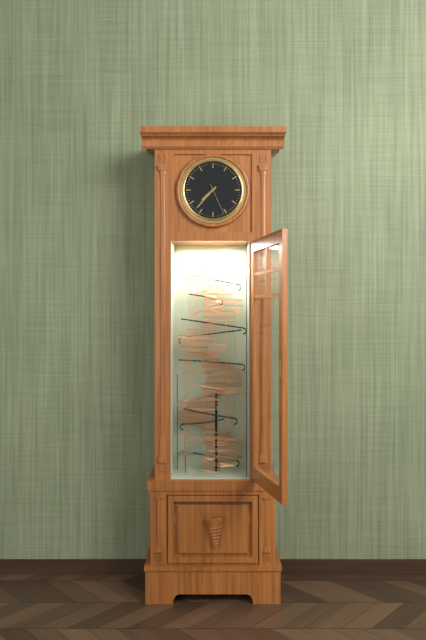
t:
7h37
